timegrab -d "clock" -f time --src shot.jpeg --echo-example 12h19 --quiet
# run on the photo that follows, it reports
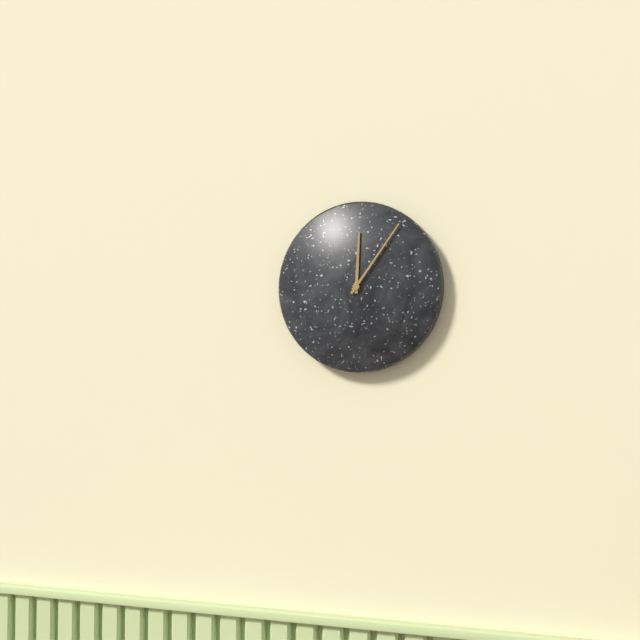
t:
12h06
